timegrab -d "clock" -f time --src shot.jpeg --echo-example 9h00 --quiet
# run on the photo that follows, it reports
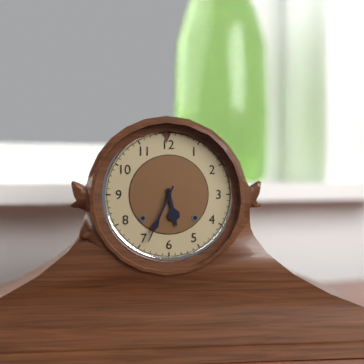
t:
5h34
